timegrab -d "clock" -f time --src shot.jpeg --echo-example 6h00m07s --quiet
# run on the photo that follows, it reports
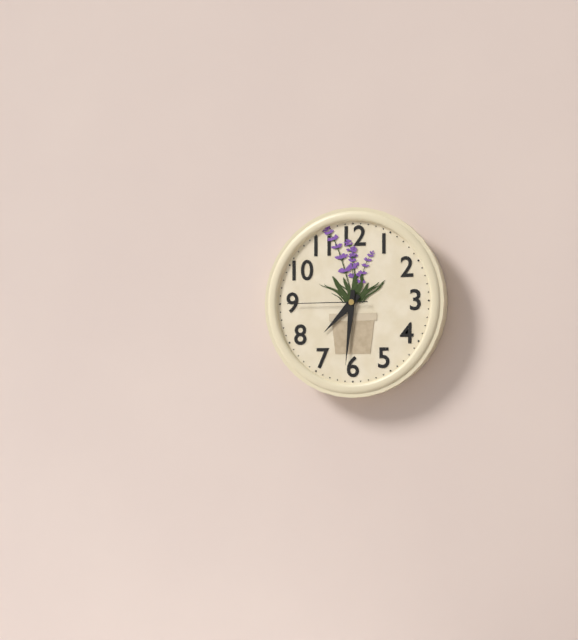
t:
7h31m45s
